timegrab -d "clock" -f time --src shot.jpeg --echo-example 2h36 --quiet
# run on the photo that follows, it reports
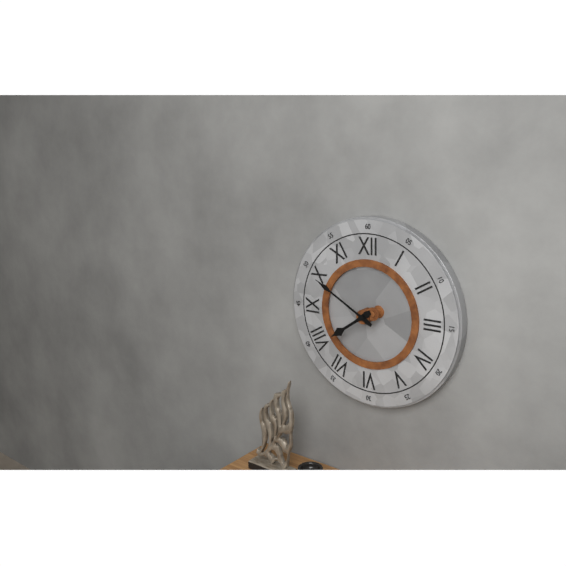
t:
7h50
